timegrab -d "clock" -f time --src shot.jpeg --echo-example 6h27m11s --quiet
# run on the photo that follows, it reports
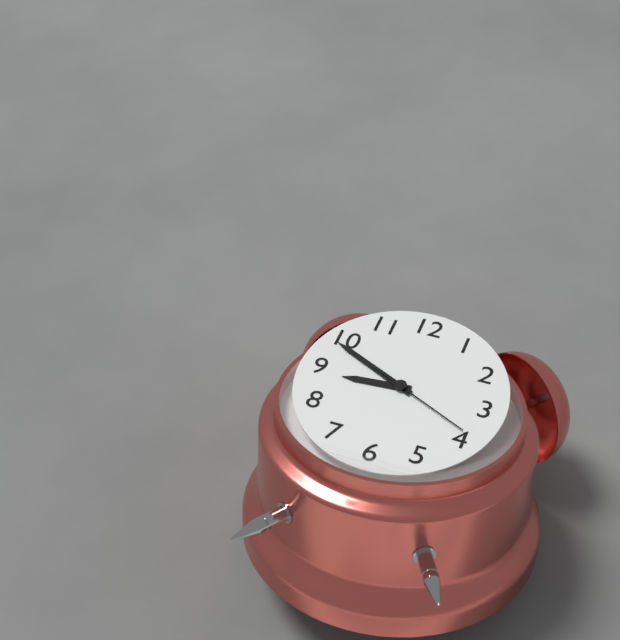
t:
8h49m19s
